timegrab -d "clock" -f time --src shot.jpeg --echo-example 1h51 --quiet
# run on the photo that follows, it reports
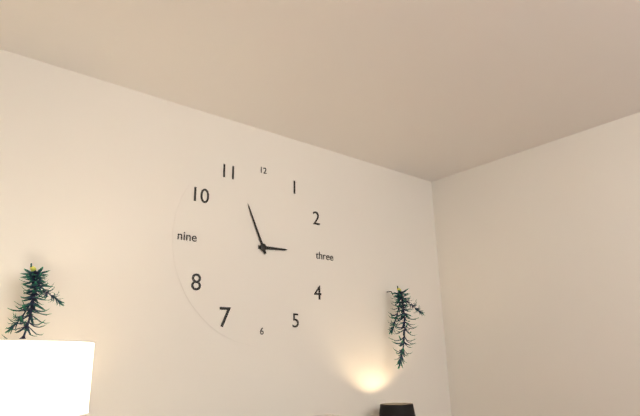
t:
2h56
